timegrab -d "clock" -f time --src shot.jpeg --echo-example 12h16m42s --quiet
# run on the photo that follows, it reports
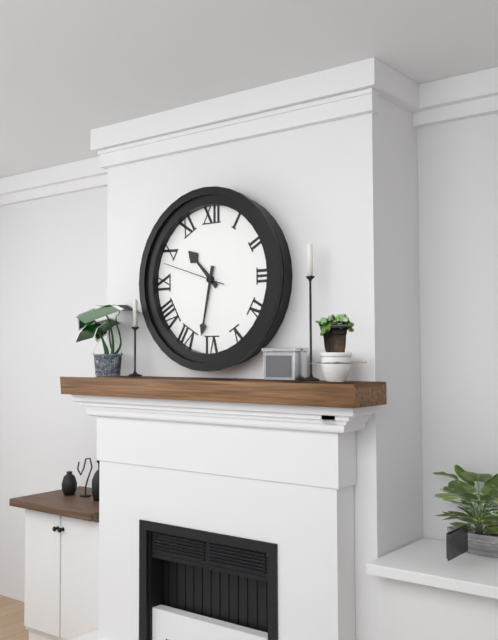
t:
10h32m48s
